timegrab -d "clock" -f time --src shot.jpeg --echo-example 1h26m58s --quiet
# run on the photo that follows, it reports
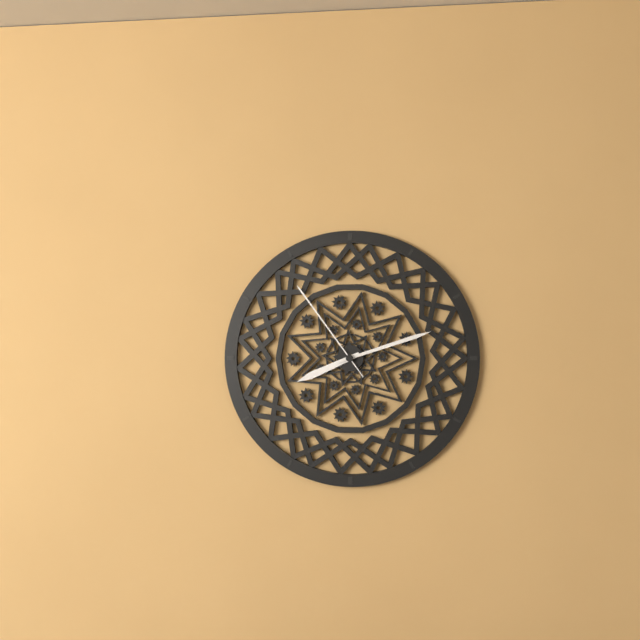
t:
8h12m54s
